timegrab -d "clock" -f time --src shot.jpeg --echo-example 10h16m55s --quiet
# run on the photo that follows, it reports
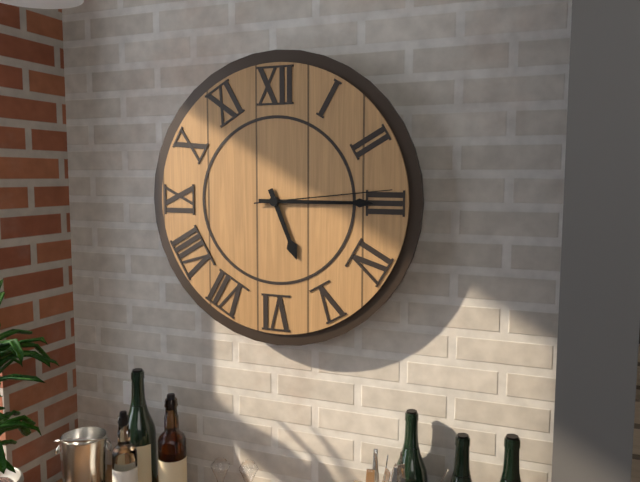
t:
5h15m14s
